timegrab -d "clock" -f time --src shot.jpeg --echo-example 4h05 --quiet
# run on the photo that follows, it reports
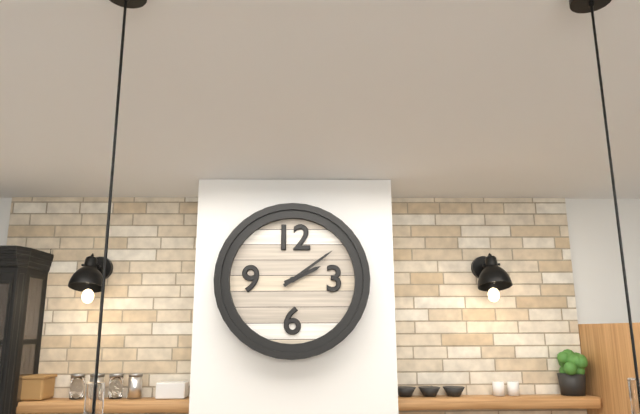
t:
2h09
